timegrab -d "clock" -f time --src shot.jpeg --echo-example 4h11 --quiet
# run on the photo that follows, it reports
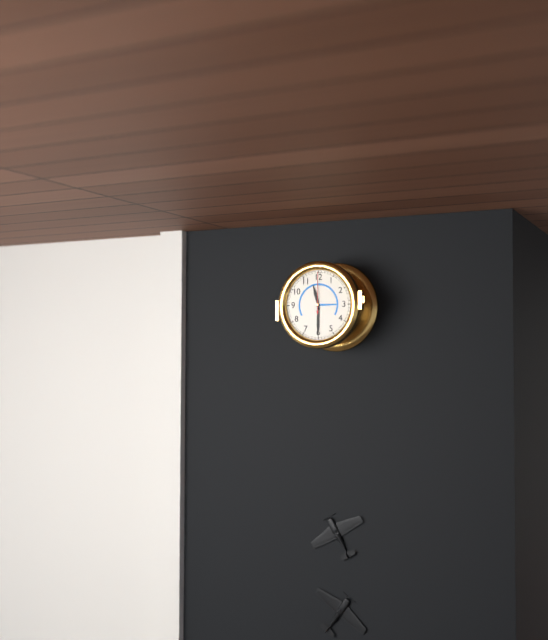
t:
11h30
